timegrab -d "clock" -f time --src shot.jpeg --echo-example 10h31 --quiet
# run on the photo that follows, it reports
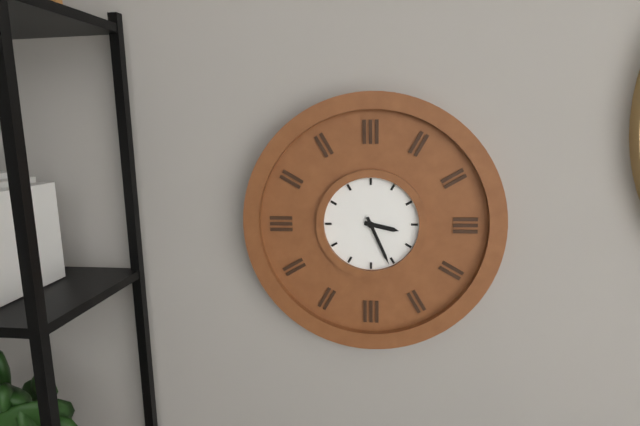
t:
3h26
